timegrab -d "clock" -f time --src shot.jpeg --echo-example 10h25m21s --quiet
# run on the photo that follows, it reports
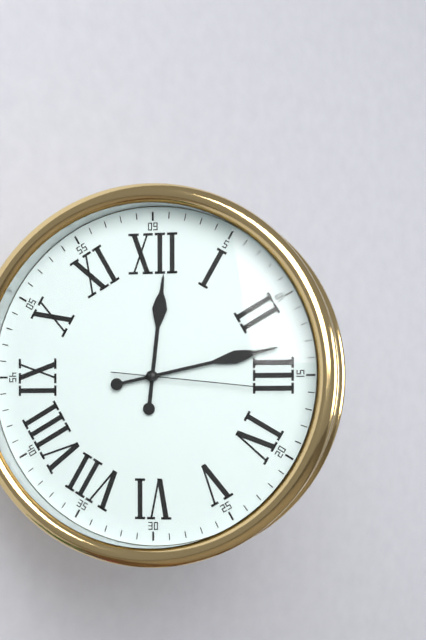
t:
12h13m16s
